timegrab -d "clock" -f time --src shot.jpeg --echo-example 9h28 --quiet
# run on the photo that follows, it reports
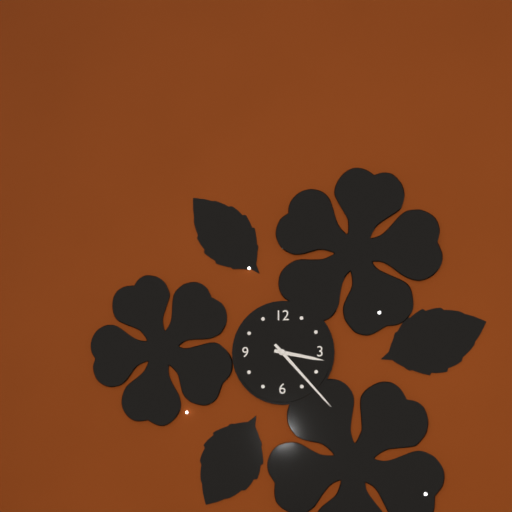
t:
3h23
